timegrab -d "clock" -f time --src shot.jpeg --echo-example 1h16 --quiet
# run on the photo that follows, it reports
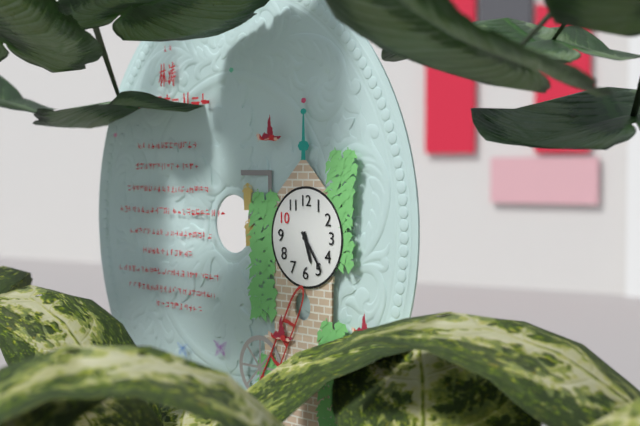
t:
5h24
